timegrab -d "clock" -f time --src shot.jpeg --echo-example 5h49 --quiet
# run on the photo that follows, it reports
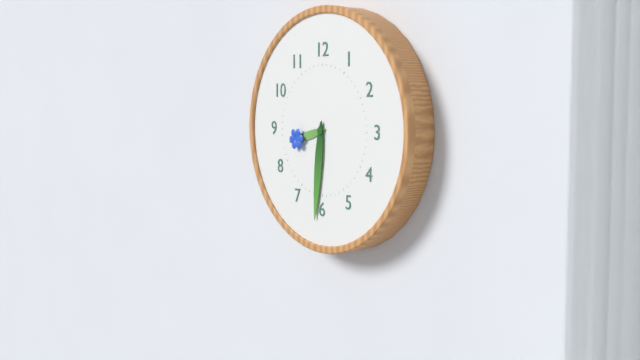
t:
8h31
